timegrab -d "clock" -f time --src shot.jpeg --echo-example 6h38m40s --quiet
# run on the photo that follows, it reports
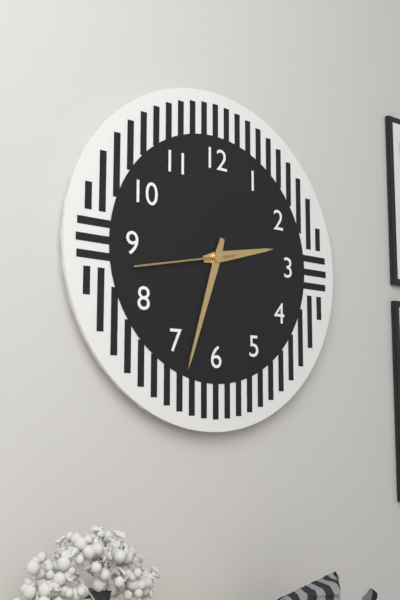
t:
2h33m43s
